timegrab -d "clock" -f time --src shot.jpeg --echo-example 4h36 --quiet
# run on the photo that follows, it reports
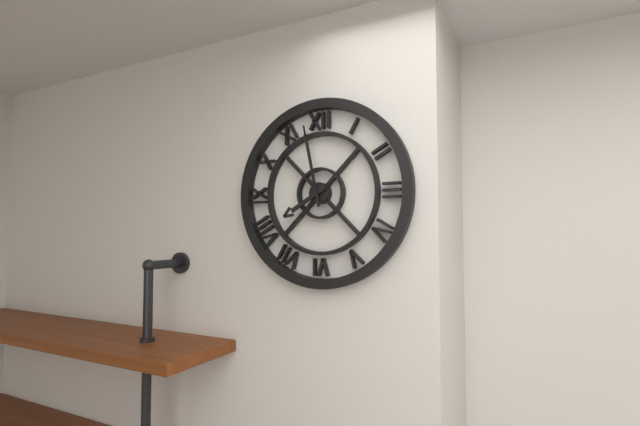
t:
7h58
